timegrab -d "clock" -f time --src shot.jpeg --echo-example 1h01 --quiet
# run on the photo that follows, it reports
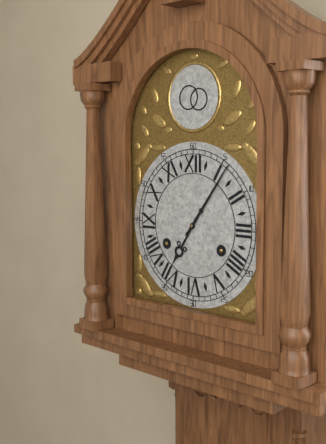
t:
7h06
